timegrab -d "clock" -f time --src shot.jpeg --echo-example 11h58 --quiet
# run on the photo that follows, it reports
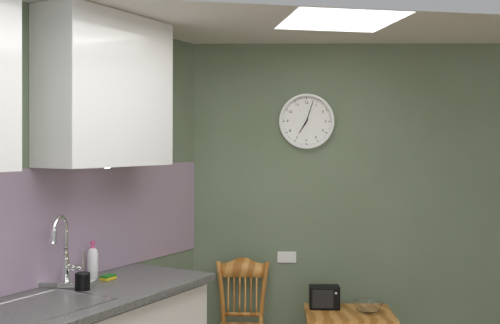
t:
7h03
